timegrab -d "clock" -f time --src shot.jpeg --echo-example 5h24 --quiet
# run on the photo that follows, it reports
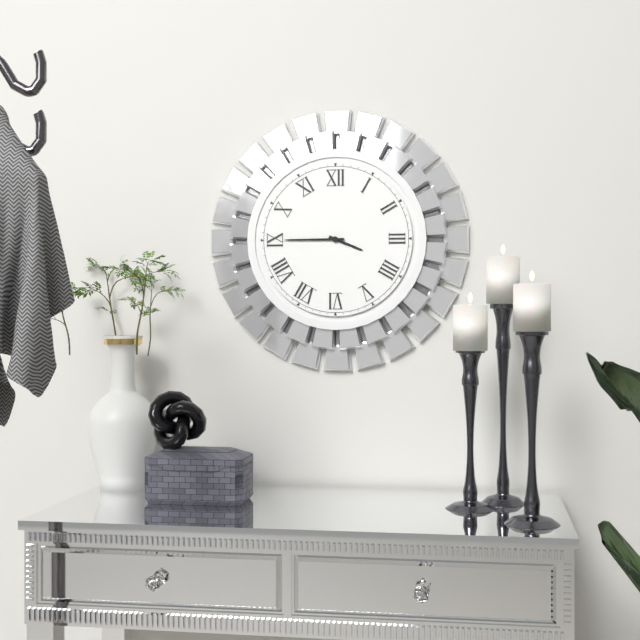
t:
3h45
